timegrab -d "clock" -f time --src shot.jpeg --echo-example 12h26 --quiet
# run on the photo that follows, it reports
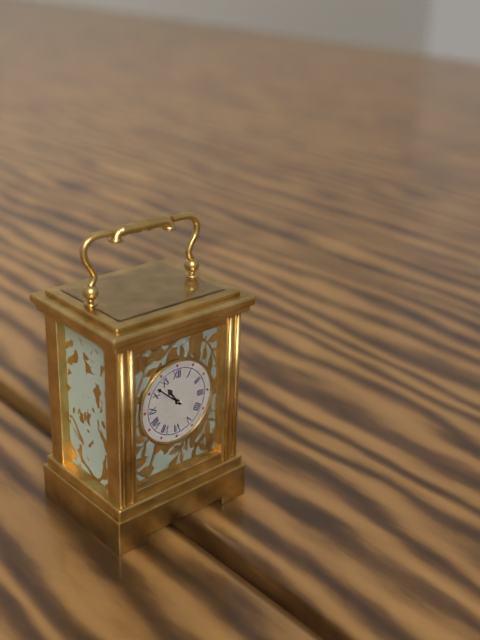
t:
10h52
